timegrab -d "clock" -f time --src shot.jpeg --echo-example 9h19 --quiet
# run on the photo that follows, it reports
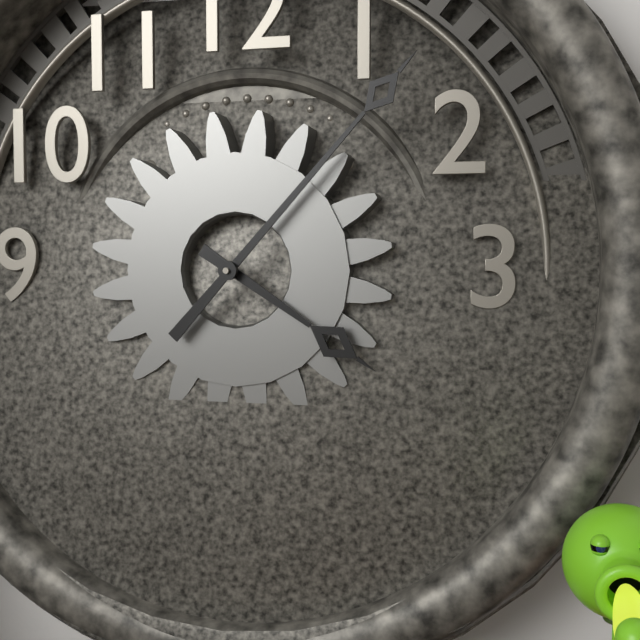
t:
4h07
